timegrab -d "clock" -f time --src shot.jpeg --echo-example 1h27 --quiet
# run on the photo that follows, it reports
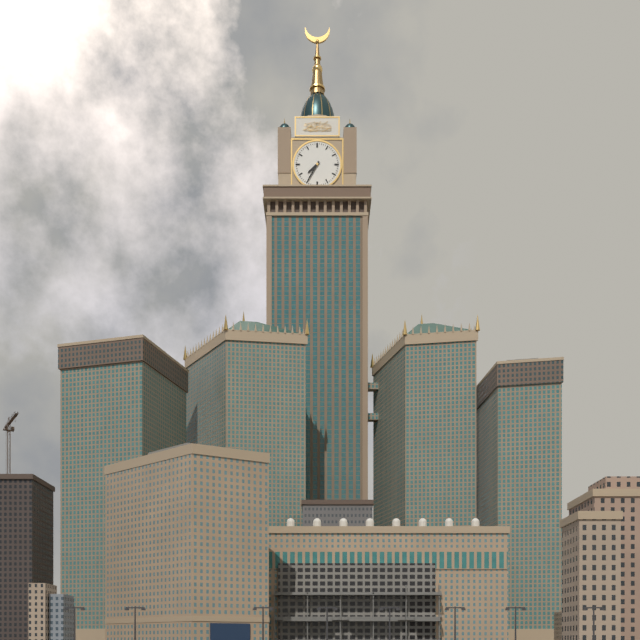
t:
7h35
